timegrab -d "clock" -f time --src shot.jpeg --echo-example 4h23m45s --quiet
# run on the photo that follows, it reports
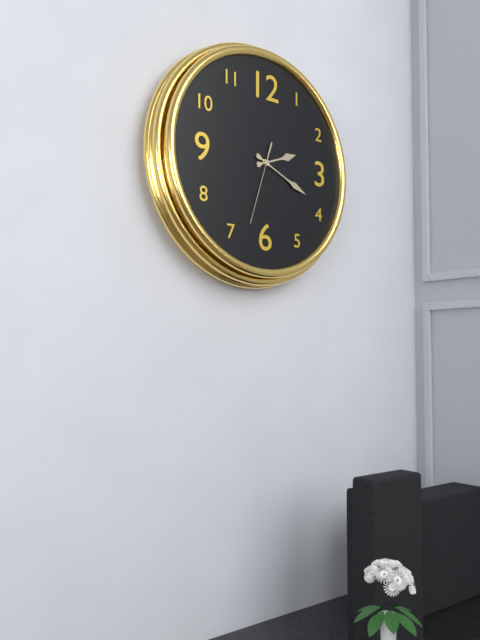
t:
2h19m33s
